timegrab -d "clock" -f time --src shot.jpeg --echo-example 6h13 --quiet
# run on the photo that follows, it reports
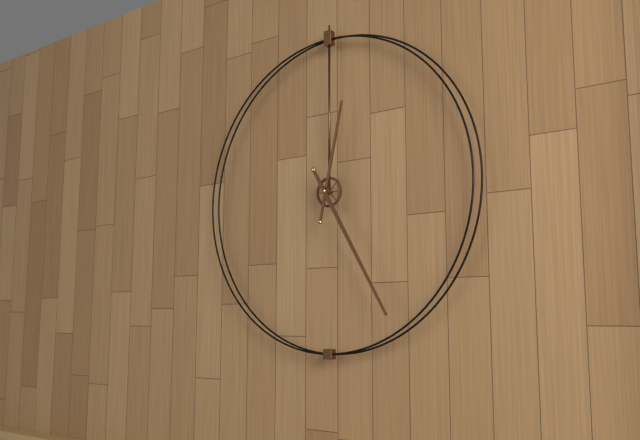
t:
12h25
